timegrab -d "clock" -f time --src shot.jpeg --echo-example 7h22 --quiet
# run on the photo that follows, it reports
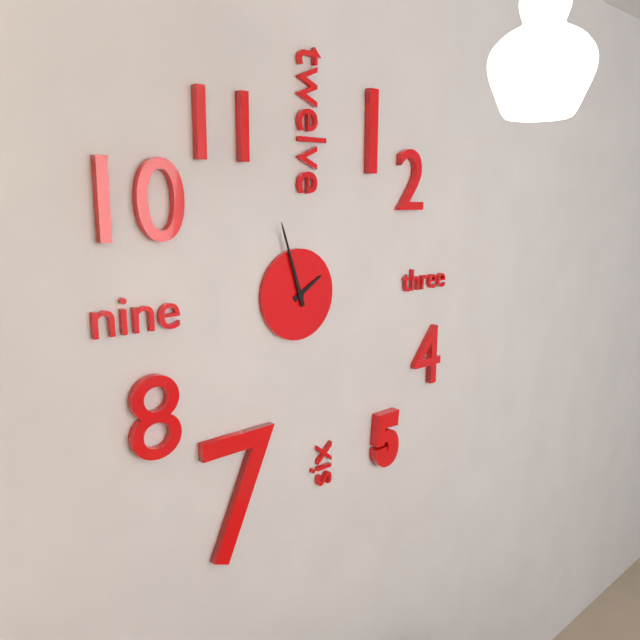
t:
1h57
